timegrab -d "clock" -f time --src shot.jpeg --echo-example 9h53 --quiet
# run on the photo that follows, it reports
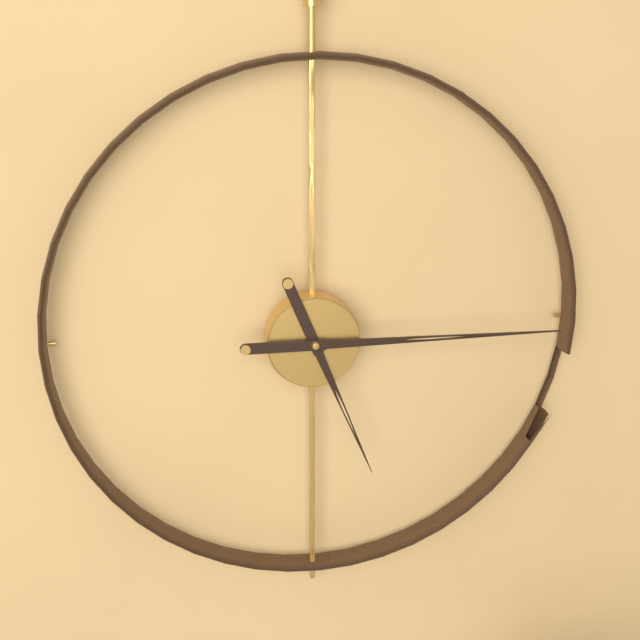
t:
5h15
